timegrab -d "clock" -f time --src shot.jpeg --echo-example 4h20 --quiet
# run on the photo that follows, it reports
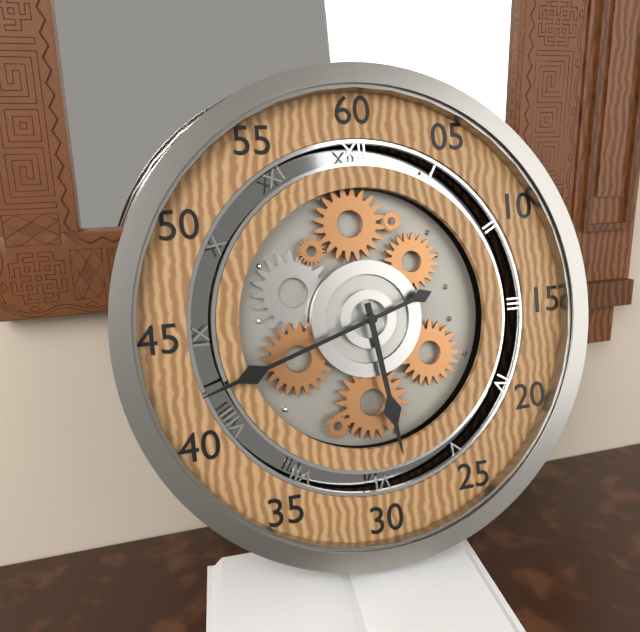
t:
5h42
